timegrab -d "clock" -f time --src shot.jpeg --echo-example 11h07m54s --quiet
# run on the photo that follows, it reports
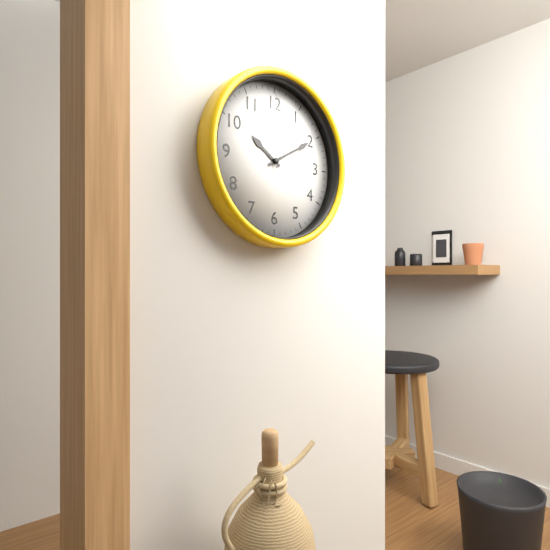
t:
10h10m00s
